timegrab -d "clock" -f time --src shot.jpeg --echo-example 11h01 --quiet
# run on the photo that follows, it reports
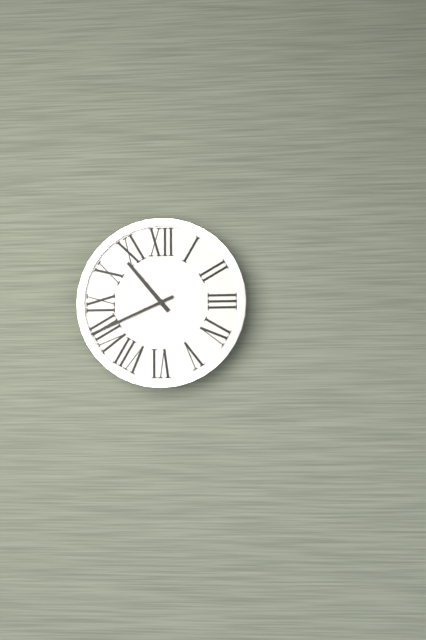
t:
10h41
